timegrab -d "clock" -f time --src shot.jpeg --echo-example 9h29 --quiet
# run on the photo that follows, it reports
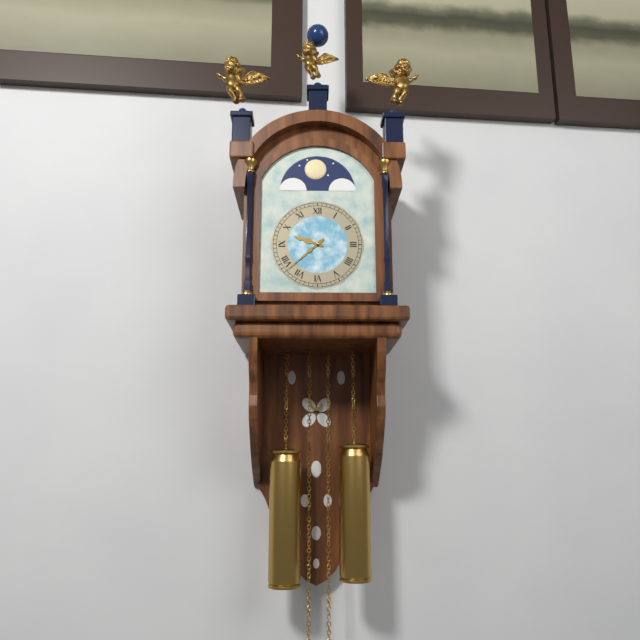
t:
9h38
